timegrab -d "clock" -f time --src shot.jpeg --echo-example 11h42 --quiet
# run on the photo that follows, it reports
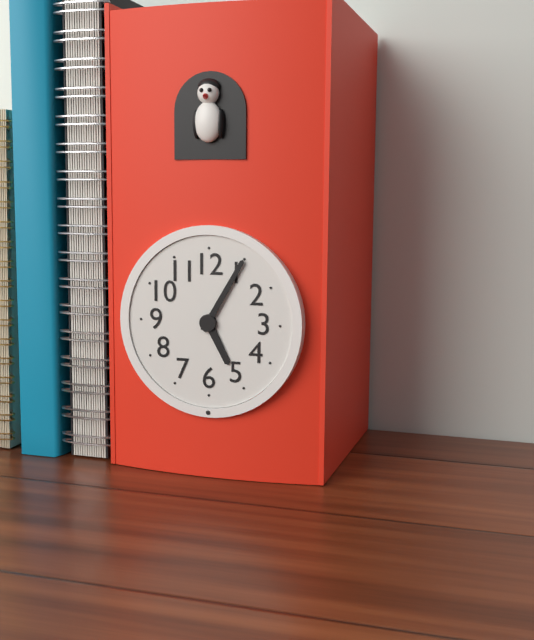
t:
5h05
